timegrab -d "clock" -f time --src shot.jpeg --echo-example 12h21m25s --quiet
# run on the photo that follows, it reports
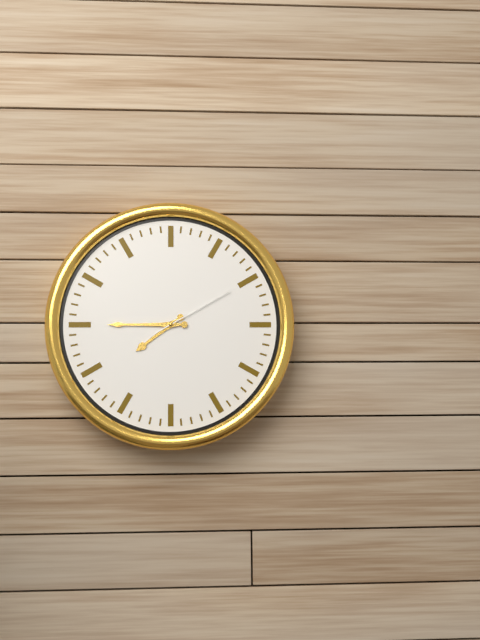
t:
7h45m10s
